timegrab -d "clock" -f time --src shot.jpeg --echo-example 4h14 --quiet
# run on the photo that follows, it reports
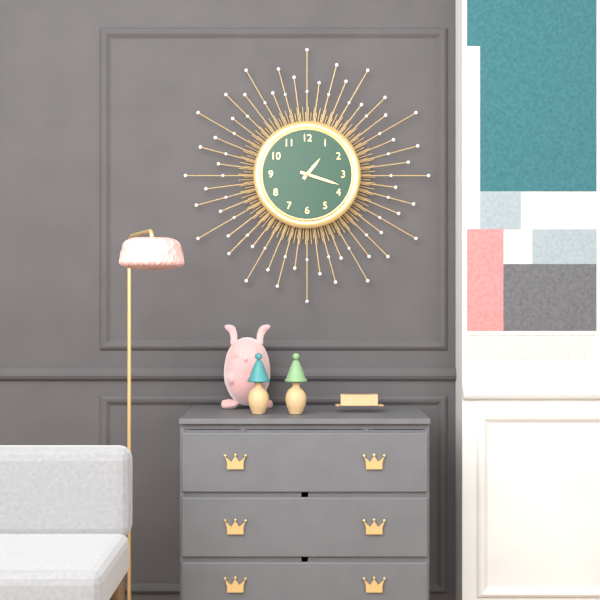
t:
1h18
